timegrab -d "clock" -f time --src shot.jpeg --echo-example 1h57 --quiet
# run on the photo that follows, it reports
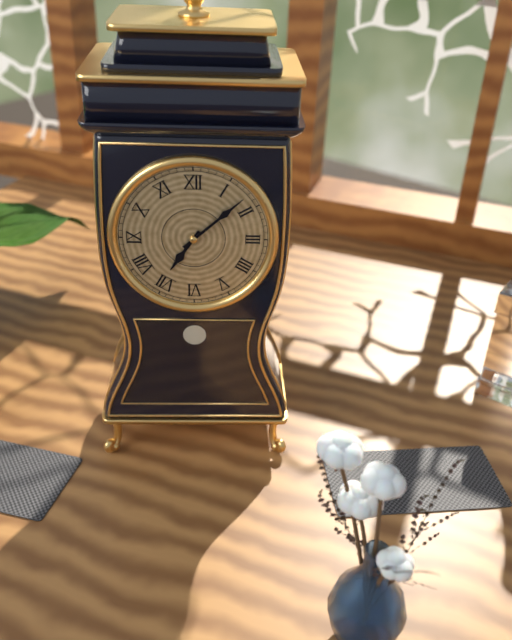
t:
7h08
